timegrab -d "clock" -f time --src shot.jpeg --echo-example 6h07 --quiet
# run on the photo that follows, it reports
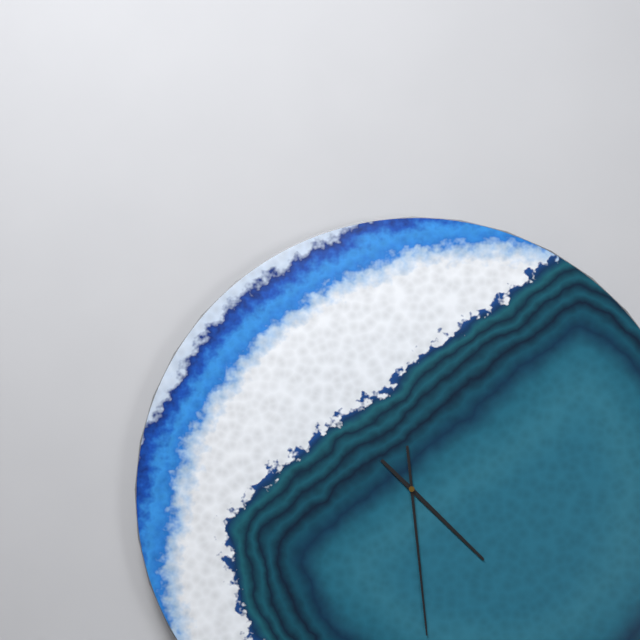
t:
4h29
